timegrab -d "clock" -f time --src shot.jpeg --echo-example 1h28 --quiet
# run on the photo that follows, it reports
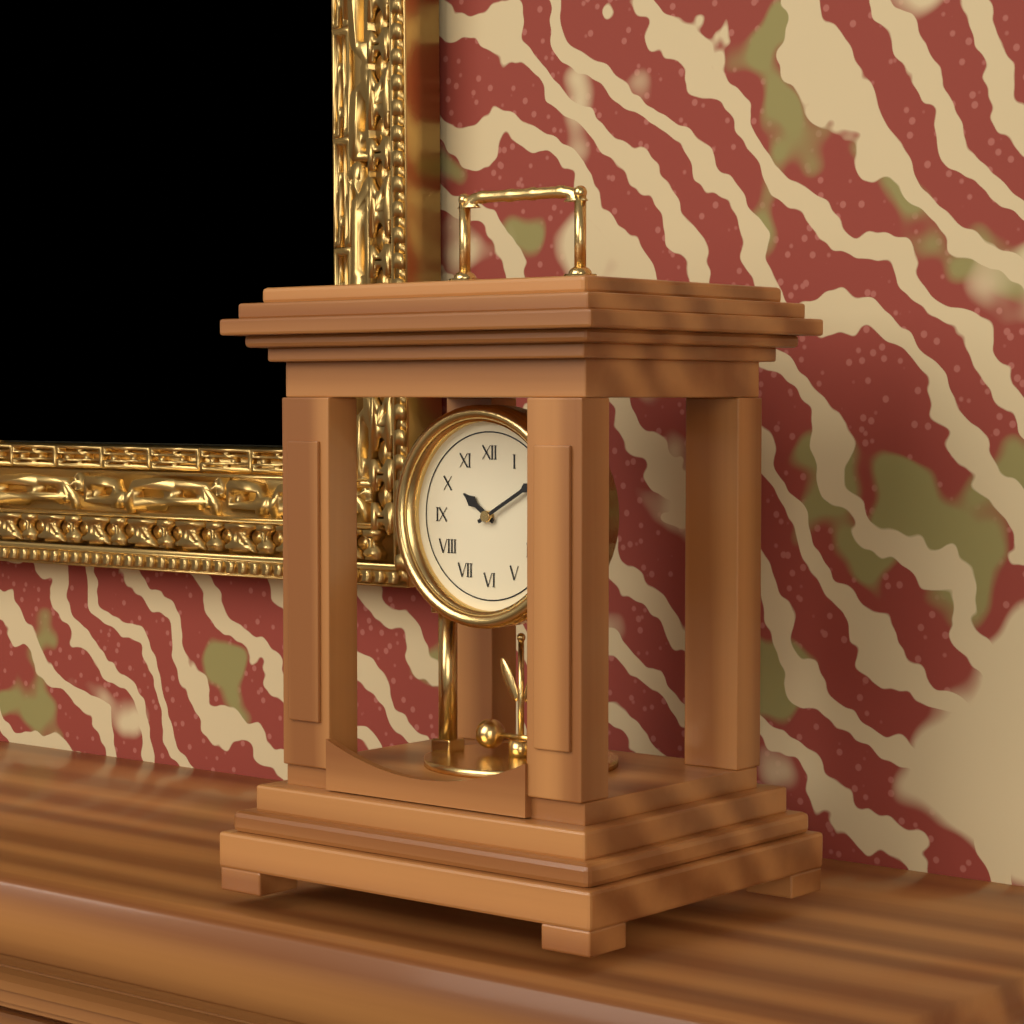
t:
10h10
